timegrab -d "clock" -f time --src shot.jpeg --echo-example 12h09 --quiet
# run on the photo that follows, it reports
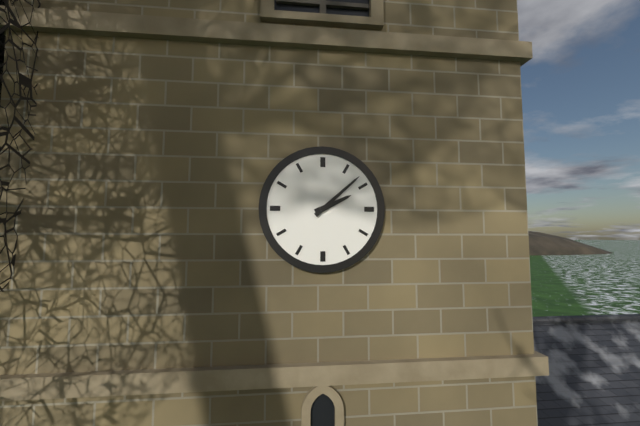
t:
2h08
